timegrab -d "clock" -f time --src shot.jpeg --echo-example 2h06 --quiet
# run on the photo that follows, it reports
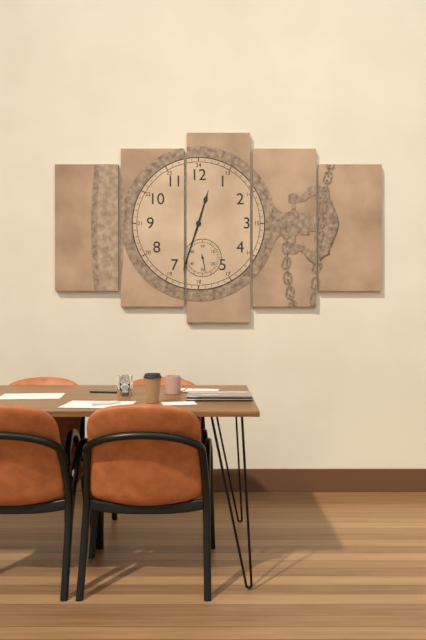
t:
12h33
